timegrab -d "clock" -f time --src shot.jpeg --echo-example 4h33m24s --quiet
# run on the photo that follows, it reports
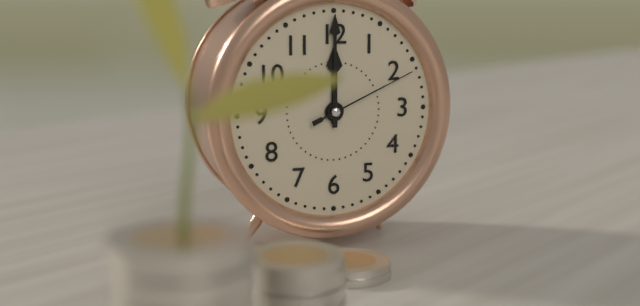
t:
12h00m11s
